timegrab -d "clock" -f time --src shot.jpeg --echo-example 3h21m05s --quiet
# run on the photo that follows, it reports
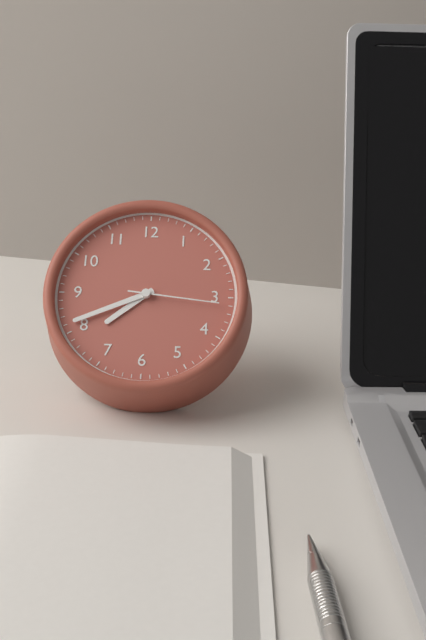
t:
7h41m16s
